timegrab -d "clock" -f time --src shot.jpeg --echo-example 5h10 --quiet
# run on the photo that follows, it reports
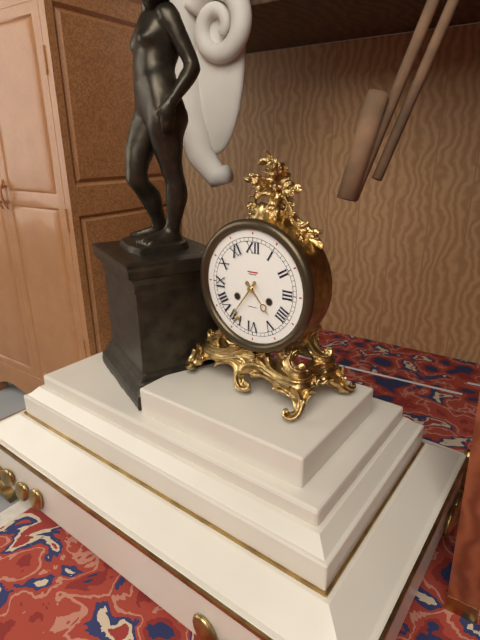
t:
4h36
